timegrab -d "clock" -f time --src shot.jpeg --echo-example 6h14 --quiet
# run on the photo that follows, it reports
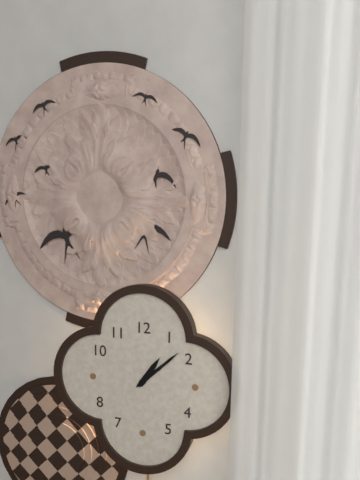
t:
1h08
